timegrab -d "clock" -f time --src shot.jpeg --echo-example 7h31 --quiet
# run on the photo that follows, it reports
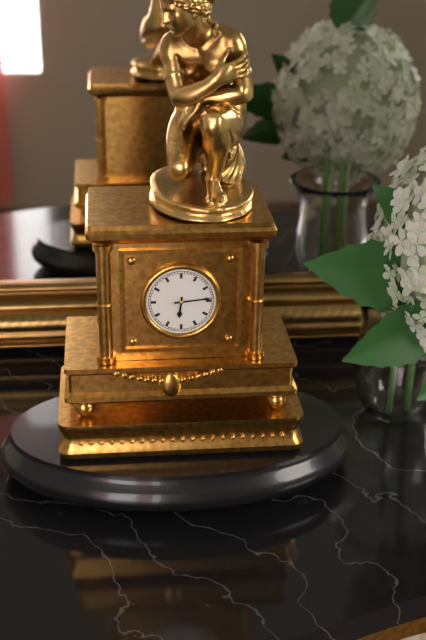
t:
6h14
